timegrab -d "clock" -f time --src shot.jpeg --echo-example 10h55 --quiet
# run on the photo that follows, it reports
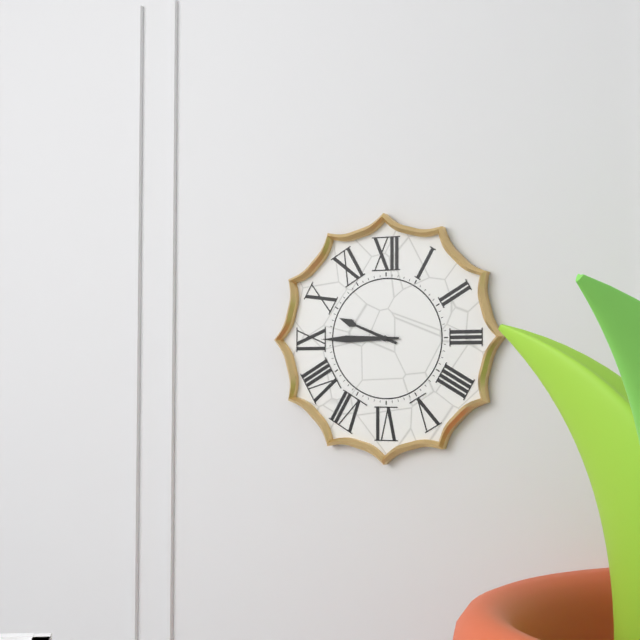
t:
9h45
